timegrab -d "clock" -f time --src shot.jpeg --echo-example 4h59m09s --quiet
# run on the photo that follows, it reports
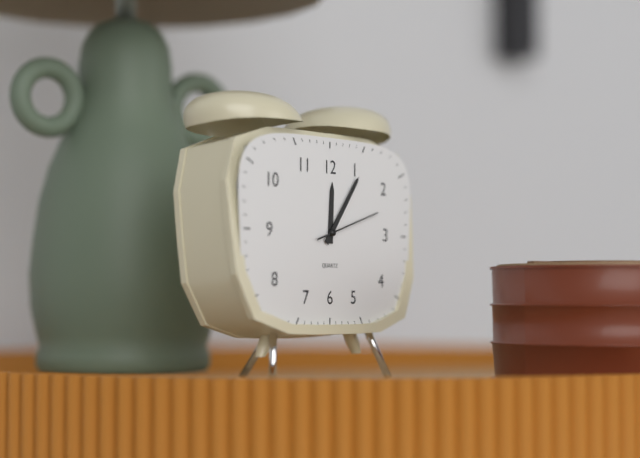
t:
12h06m12s
